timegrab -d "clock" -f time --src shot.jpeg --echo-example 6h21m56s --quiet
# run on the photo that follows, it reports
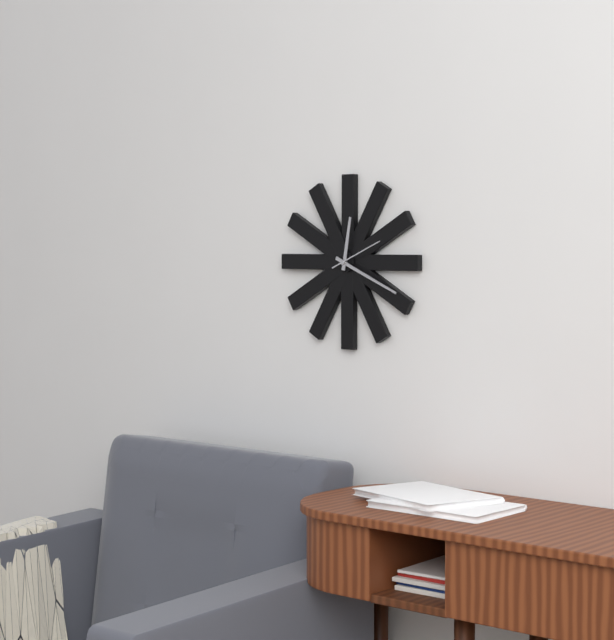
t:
12h19m11s
